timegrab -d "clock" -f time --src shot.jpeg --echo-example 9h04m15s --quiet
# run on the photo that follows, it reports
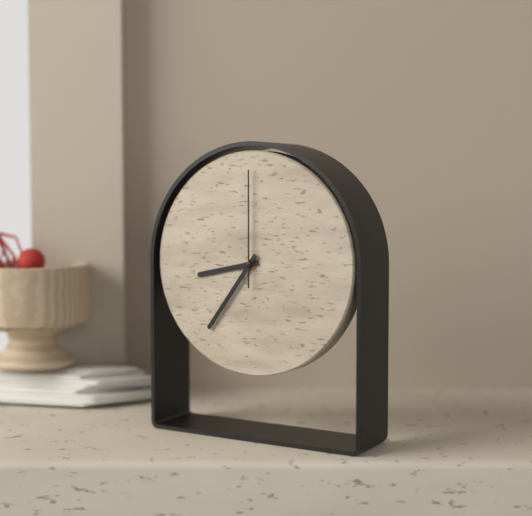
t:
8h36m00s
